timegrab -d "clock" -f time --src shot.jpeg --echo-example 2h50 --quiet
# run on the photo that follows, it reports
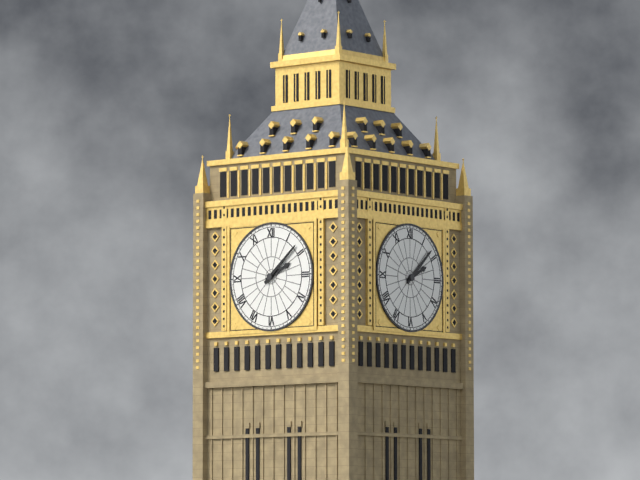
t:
2h08
